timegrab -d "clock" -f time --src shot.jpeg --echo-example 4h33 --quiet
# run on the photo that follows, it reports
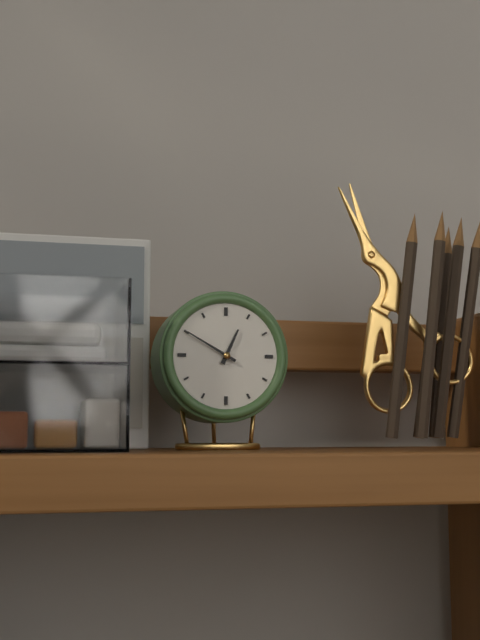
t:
12h50
